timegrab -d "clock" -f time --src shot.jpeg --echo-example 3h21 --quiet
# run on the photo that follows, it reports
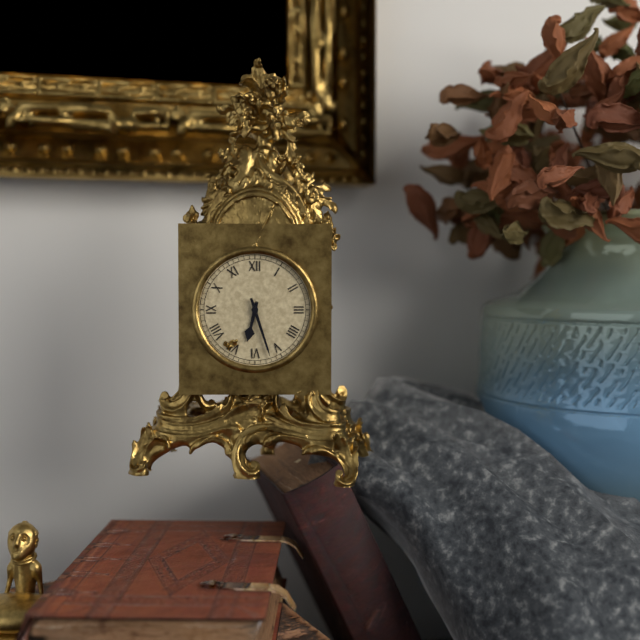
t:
6h27
